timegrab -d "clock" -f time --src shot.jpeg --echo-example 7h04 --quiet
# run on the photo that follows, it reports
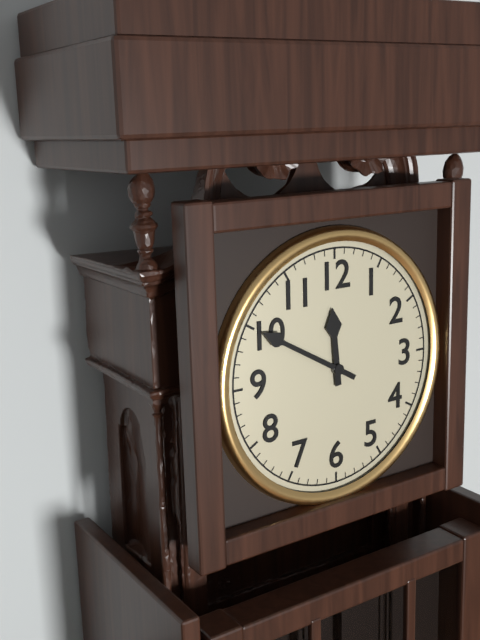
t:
11h50
